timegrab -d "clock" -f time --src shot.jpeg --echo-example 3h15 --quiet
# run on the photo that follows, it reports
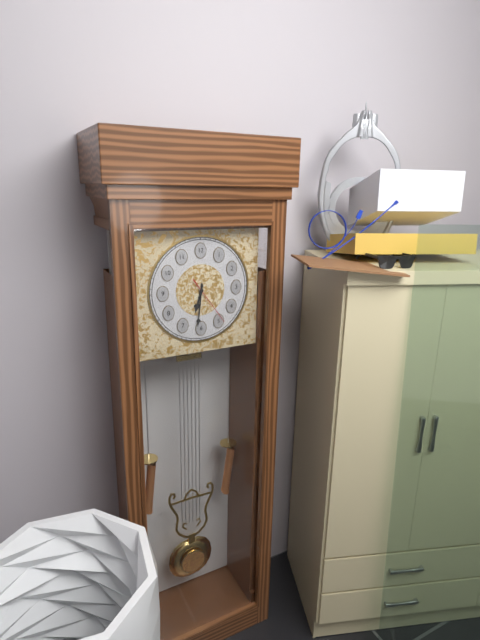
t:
6h31
